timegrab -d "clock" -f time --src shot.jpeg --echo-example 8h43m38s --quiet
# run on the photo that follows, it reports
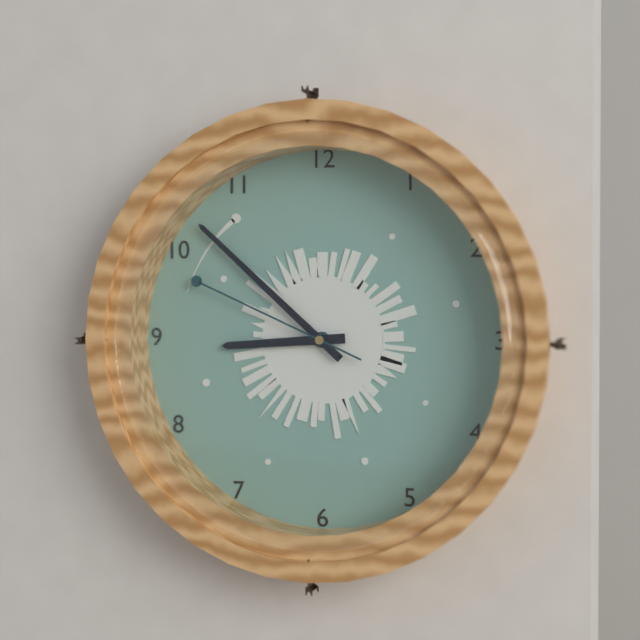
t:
8h52m49s
